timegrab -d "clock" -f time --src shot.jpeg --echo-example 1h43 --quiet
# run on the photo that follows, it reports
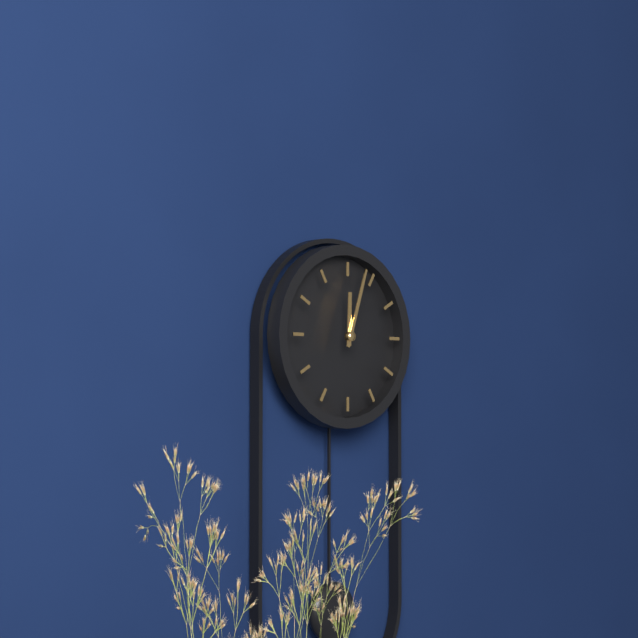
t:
12h03
